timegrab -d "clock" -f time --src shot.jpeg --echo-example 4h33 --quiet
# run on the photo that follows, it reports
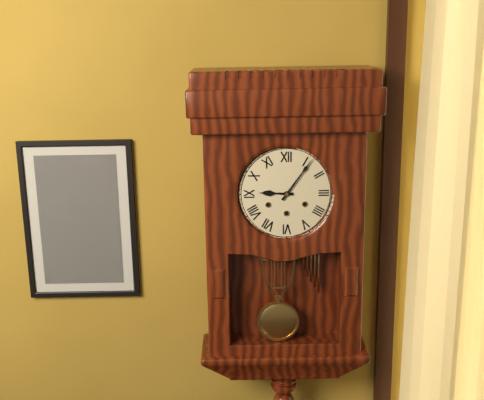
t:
9h06
